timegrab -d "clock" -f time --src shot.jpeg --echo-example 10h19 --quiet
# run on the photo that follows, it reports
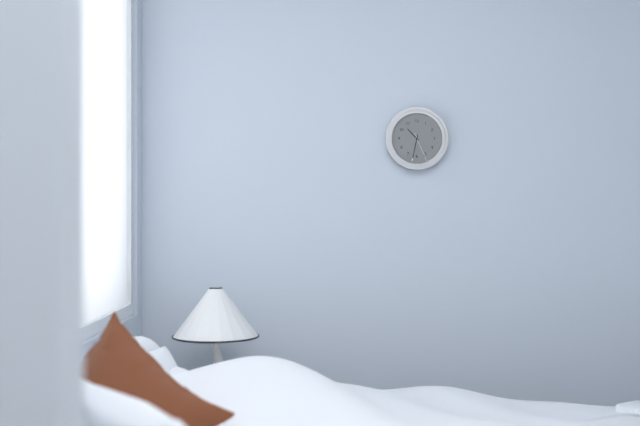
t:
10h32
